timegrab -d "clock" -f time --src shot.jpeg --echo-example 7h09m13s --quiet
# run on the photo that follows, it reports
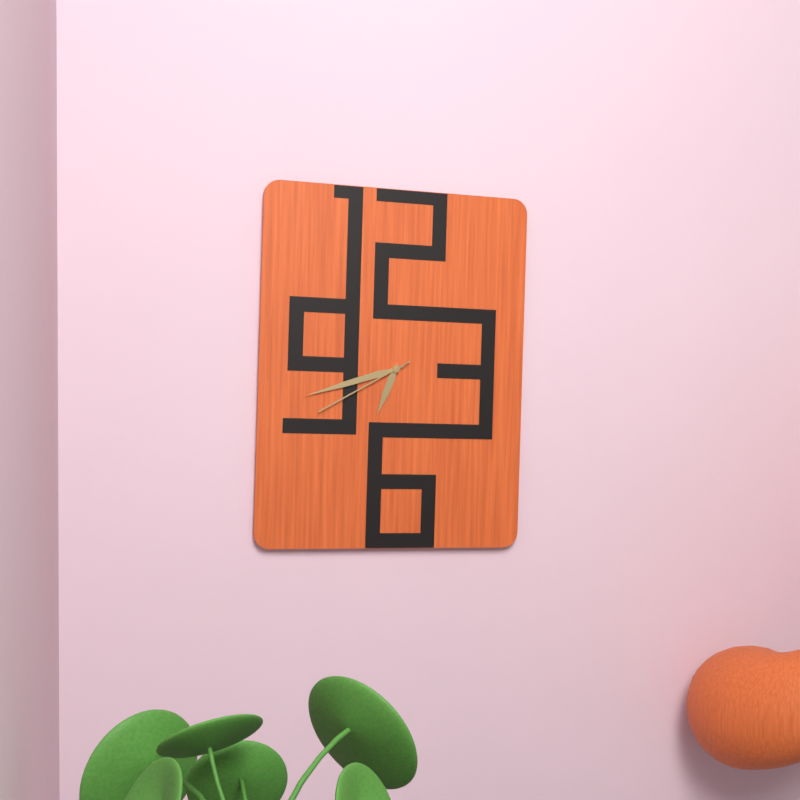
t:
6h42m40s
